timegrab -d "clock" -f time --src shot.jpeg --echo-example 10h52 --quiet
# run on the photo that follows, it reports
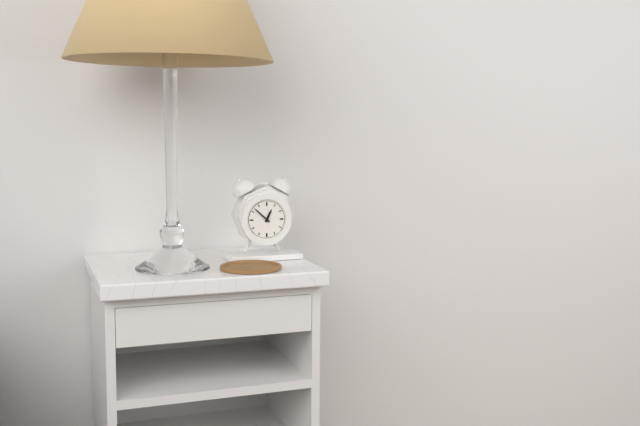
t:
12h52
